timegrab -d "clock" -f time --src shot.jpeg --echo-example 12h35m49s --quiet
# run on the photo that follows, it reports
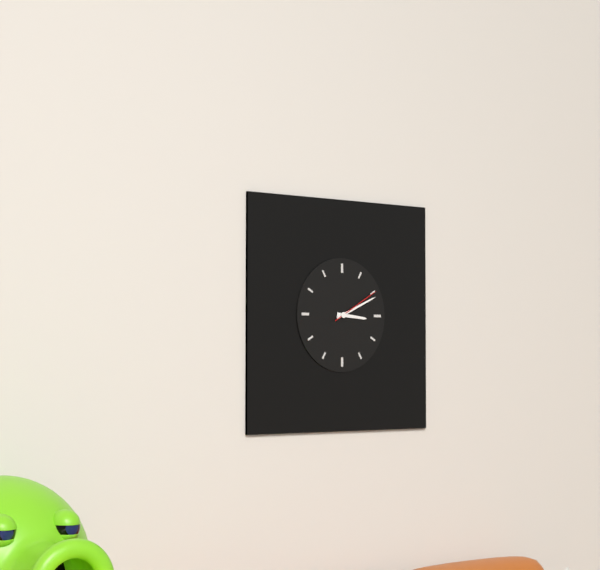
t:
3h11m10s
